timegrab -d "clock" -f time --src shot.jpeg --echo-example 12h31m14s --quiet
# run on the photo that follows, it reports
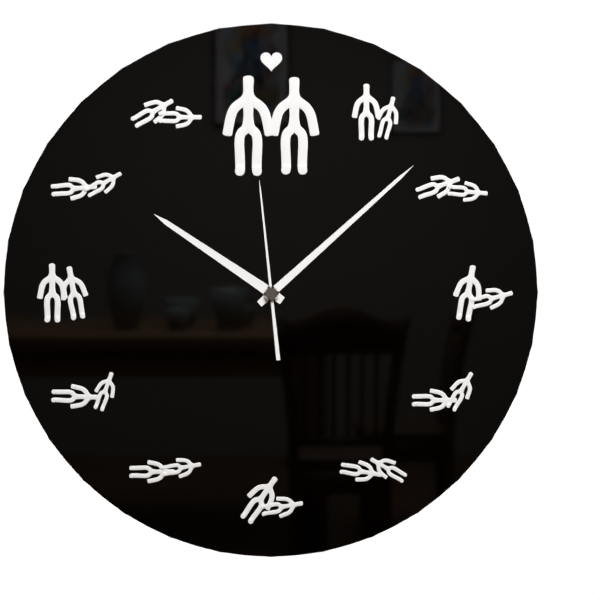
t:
10h08m59s
